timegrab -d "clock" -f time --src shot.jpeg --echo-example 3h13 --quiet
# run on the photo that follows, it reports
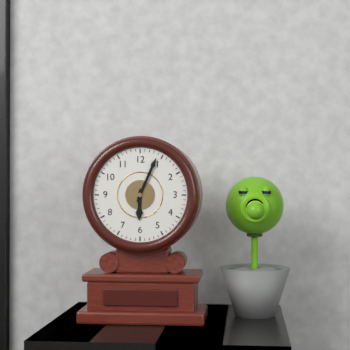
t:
6h04
